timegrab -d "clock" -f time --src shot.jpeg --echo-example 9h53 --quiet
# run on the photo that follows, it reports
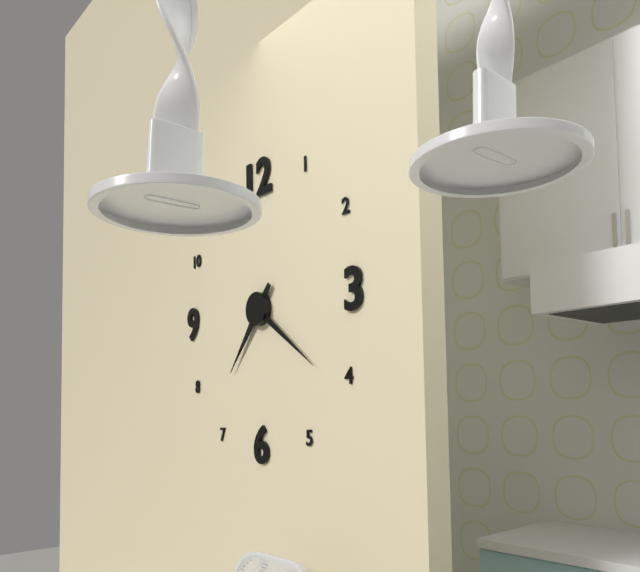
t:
7h21
